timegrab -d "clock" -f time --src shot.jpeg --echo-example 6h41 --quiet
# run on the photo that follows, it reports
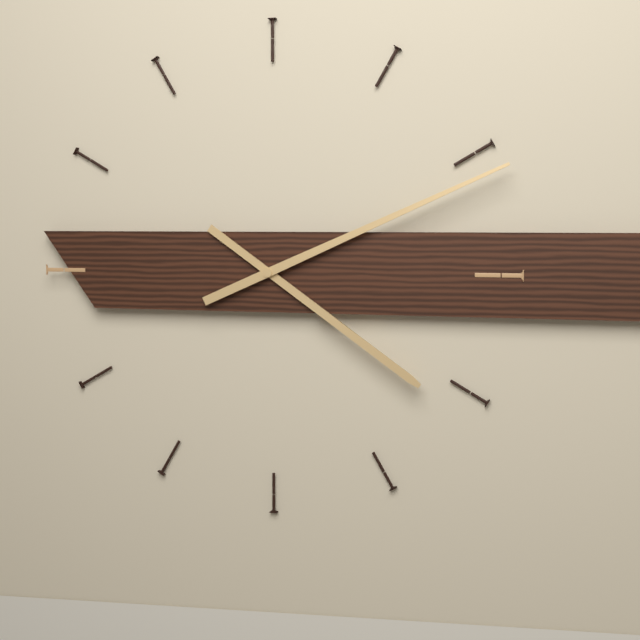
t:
4h11
